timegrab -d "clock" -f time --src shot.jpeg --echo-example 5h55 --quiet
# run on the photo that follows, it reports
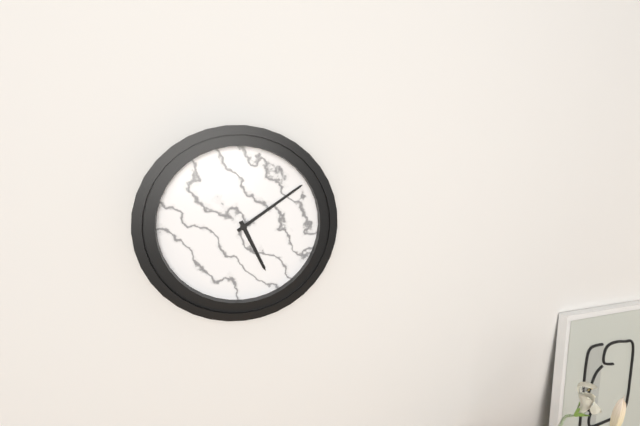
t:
5h09
